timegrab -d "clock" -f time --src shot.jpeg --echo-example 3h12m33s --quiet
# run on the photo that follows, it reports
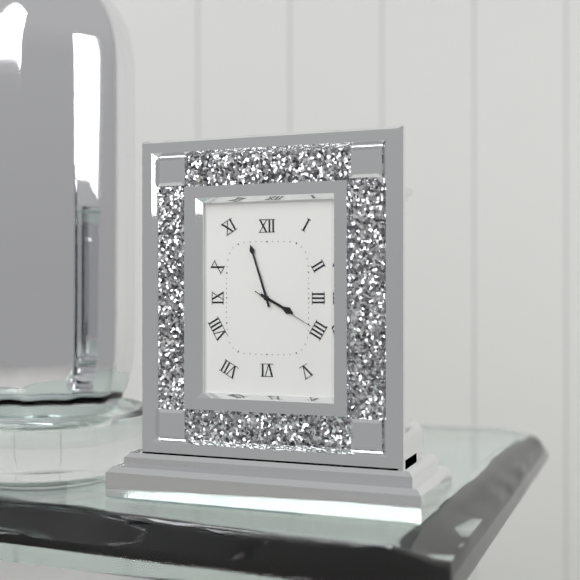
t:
3h57m20s
